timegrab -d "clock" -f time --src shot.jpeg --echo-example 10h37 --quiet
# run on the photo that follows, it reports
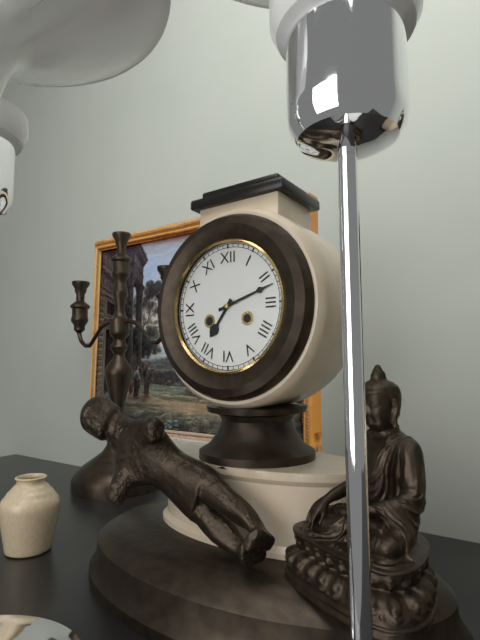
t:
7h12
